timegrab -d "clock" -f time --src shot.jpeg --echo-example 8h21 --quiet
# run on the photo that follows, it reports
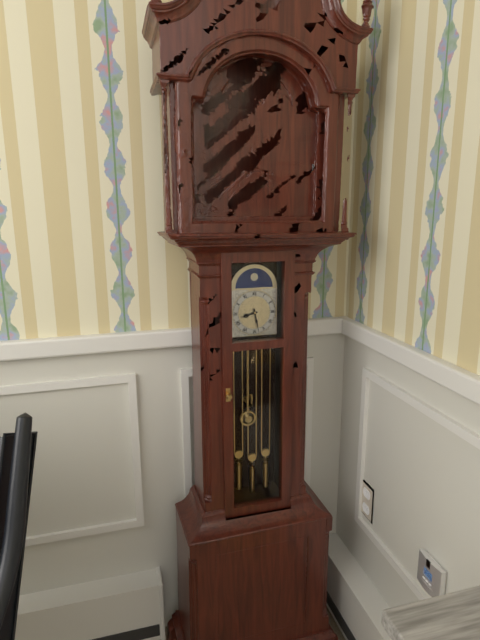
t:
8h28
